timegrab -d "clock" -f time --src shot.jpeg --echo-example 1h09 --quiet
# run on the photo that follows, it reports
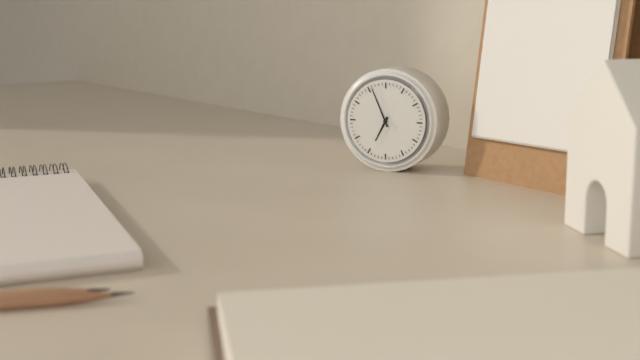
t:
6h56
